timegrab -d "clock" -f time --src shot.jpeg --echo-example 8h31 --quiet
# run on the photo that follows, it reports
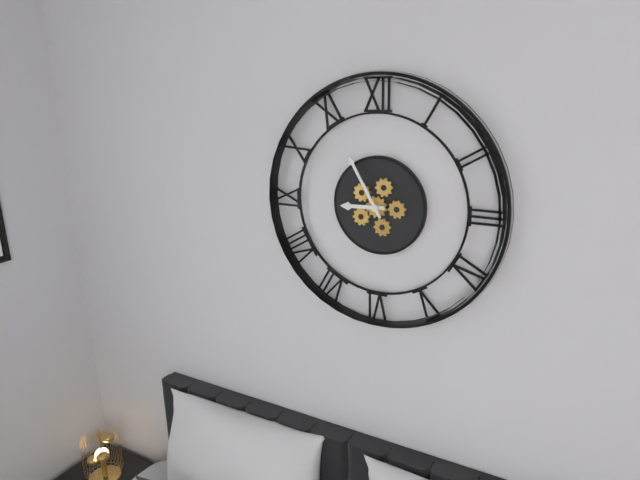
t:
8h55
